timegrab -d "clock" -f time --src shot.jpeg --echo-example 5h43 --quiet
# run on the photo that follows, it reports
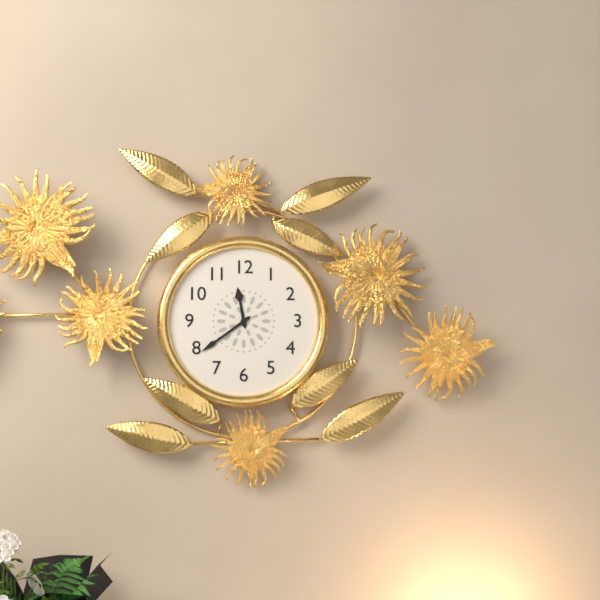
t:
11h39
